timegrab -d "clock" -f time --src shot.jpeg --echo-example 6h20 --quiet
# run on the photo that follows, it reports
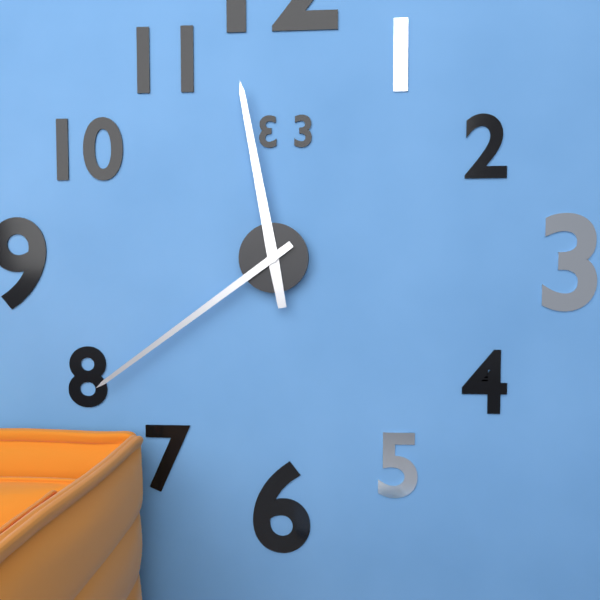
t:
11h39
